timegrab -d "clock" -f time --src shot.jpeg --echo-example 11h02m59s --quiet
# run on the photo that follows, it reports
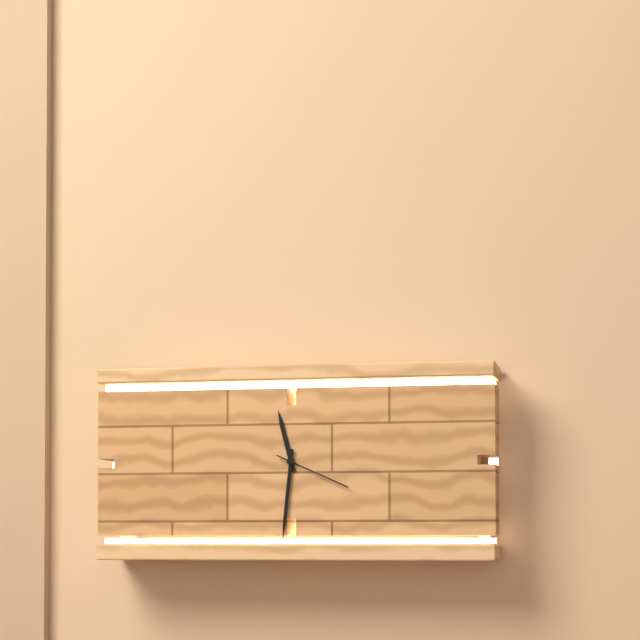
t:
11h31m19s
